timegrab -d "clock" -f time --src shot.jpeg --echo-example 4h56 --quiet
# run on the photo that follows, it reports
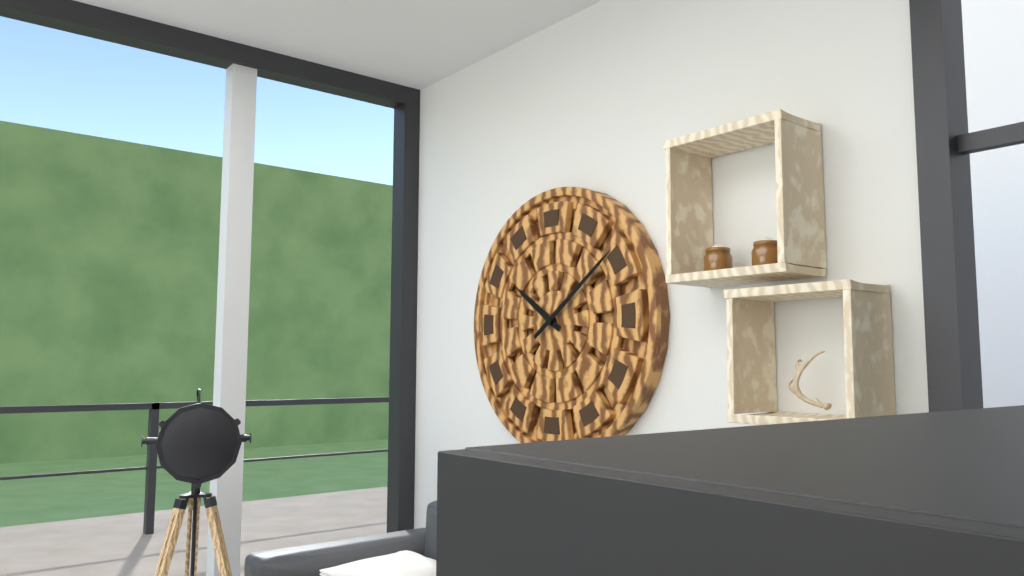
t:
10h09
